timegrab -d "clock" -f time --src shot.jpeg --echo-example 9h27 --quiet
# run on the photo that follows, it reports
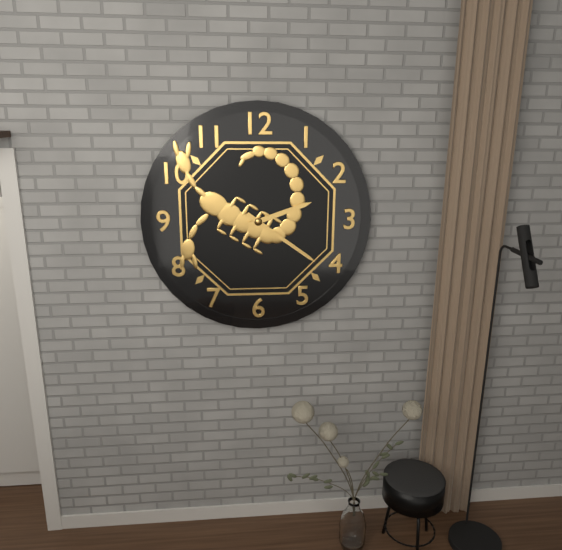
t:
2h21
